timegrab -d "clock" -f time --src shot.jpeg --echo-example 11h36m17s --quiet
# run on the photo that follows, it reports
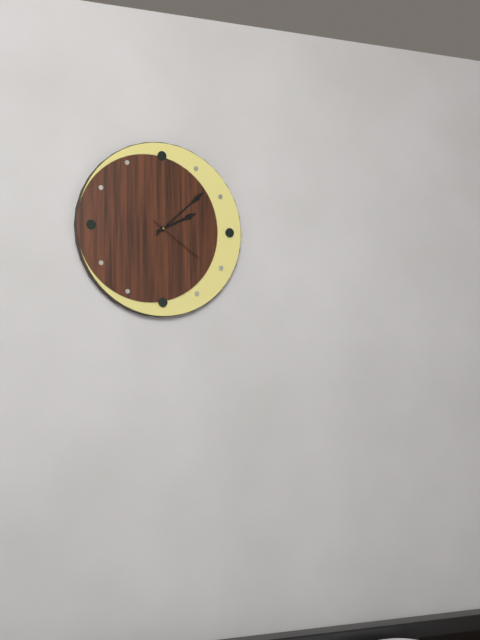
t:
2h08m21s
